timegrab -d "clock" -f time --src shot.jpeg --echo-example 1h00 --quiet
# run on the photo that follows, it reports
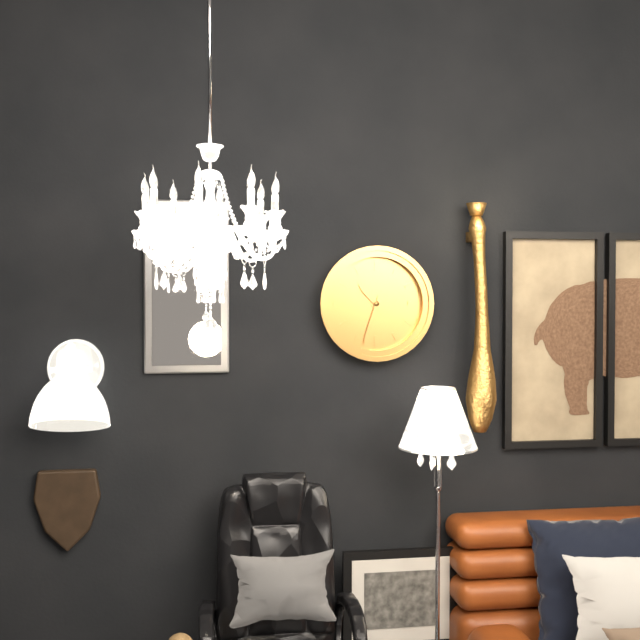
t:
10h33
